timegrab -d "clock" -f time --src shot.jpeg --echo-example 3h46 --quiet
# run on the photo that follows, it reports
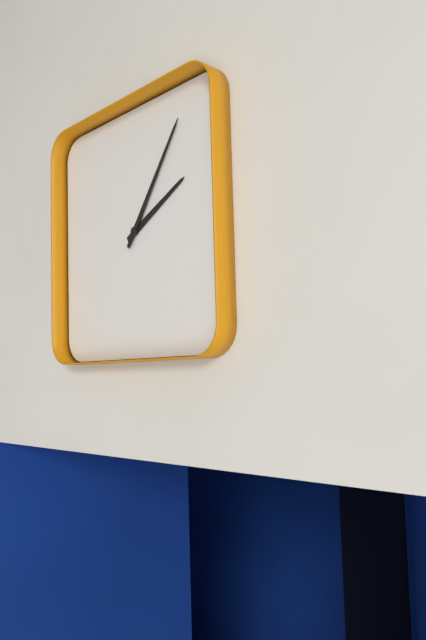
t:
2h06
